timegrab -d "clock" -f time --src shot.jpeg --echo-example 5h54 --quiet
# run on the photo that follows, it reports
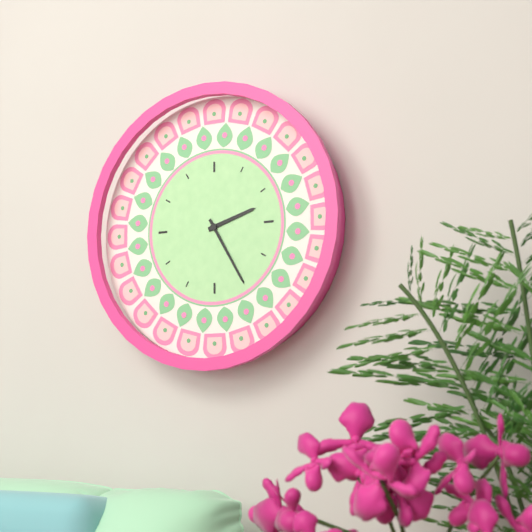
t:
2h25
